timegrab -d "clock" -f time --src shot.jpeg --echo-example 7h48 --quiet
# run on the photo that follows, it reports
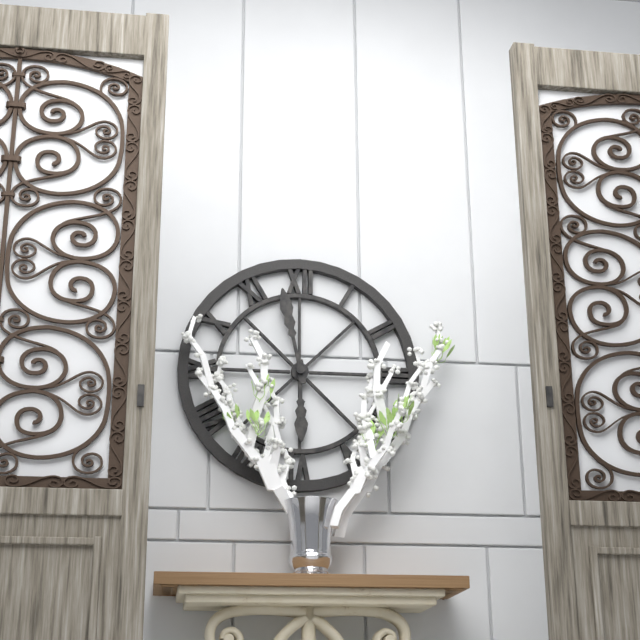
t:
5h58
